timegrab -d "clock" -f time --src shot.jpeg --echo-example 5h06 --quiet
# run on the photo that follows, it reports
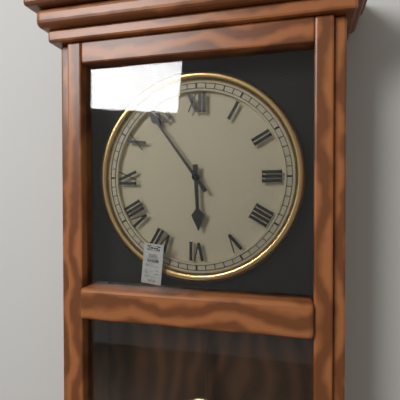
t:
5h54
